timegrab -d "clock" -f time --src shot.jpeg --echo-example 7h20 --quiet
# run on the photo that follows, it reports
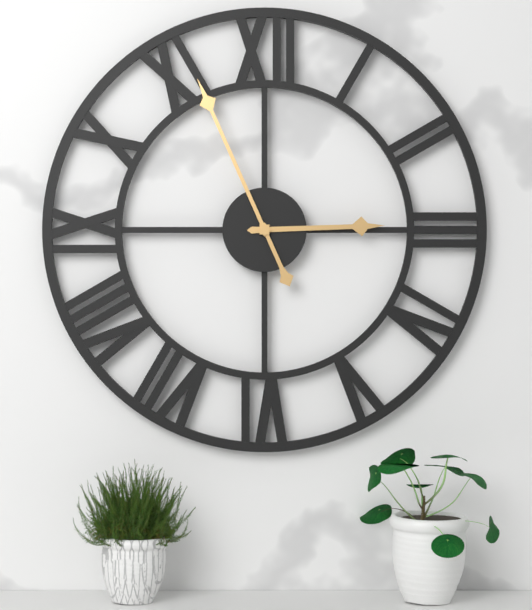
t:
2h56
